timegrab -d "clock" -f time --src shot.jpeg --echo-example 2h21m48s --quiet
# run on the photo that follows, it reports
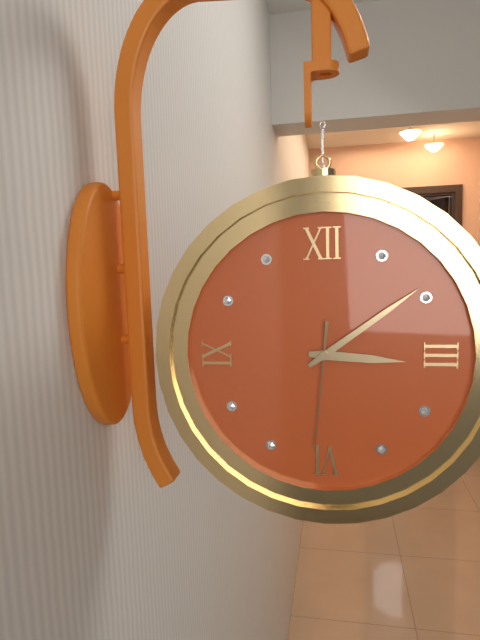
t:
3h09m31s
